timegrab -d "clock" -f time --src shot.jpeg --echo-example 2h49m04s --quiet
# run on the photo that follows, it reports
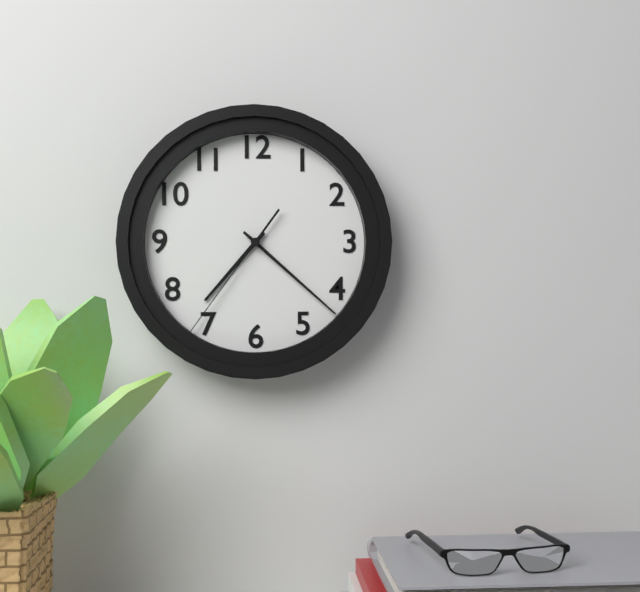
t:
7h22m36s
